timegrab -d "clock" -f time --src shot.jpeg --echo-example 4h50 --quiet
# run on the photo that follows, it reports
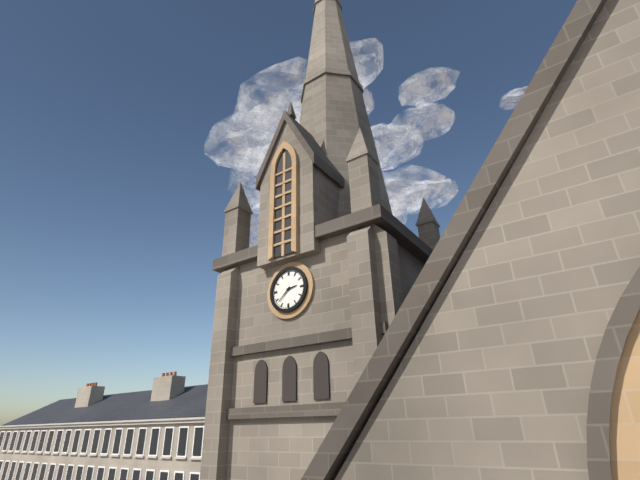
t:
2h38
